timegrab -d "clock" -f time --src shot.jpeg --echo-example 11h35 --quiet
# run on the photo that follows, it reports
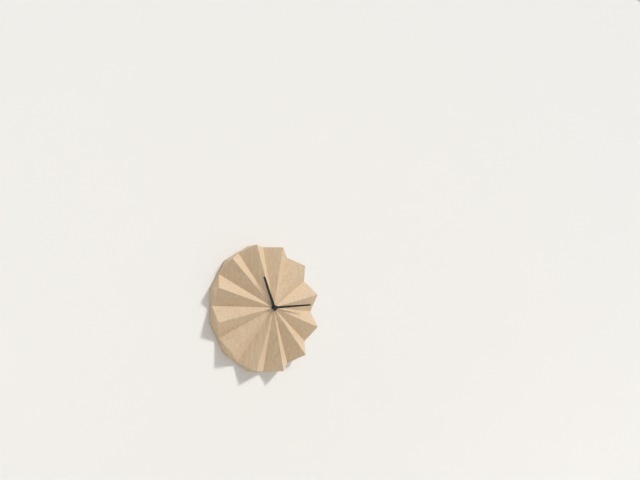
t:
11h14
